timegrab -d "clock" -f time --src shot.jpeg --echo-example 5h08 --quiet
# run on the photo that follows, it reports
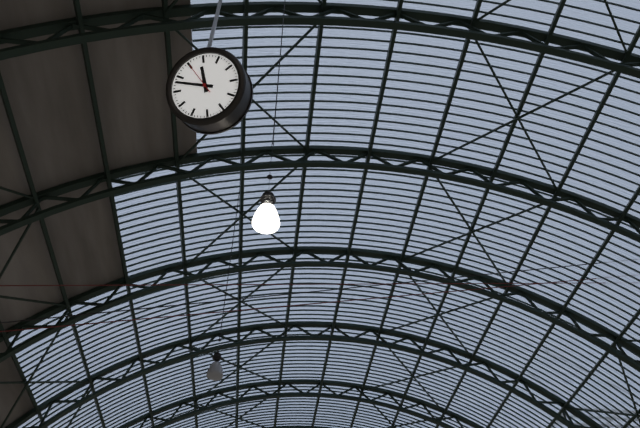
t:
11h48
